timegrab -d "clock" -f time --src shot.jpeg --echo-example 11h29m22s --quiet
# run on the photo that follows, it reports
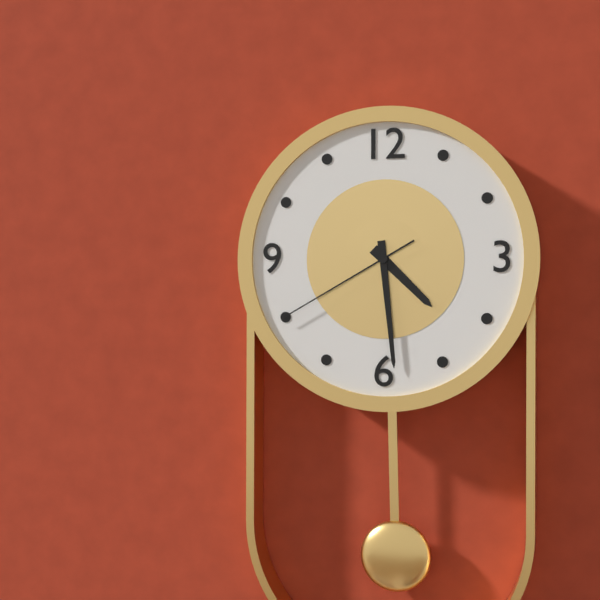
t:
4h29m40s
